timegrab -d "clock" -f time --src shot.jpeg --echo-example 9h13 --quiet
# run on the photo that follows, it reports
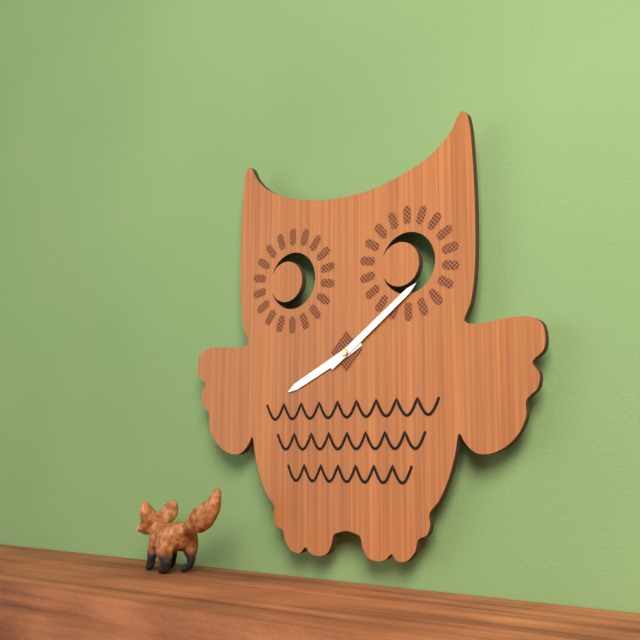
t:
8h09
